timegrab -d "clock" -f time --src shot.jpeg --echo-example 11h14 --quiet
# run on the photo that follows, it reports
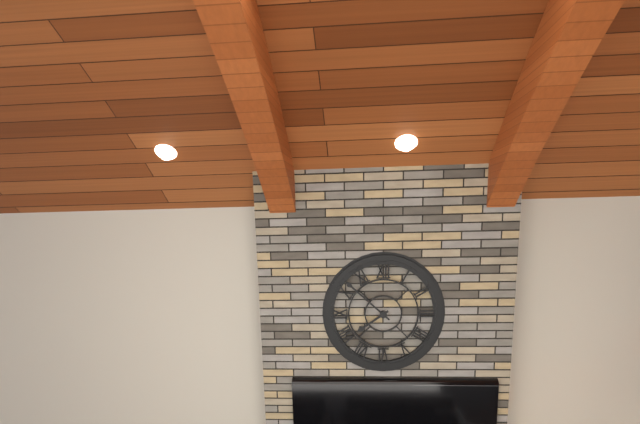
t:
7h52
